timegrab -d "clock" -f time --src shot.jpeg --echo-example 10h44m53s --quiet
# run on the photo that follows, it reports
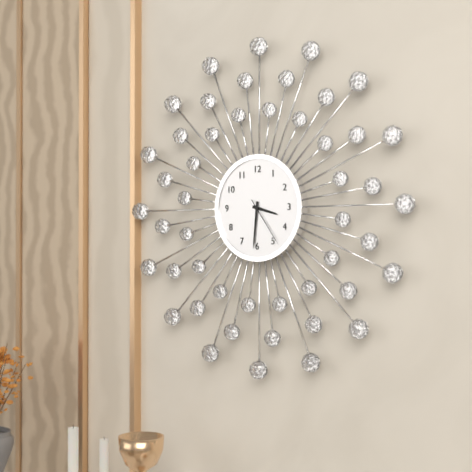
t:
3h31m24s
